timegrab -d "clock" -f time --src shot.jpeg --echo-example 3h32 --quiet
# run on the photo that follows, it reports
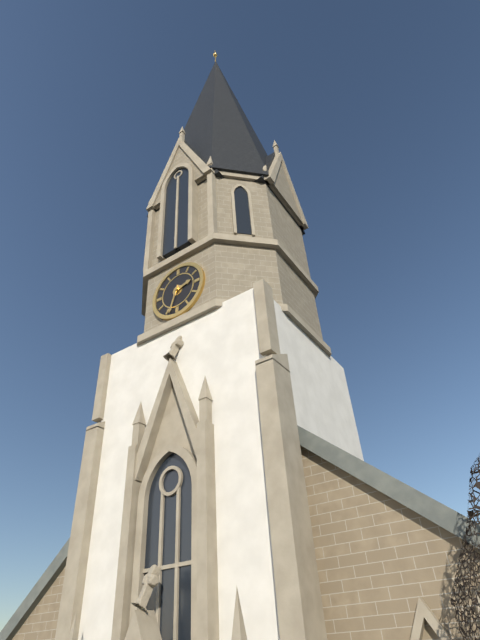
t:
2h33
